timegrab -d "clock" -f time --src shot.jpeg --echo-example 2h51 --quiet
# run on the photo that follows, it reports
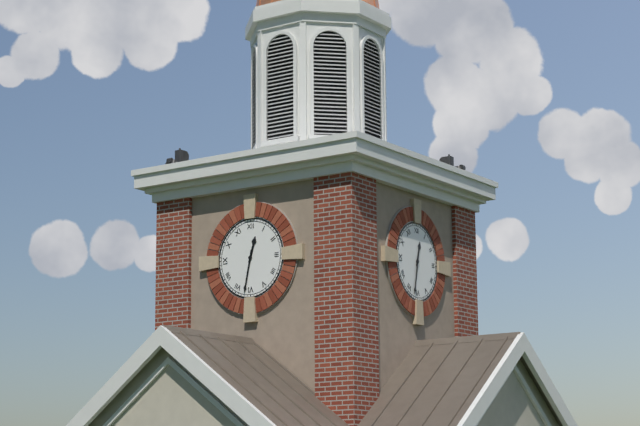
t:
12h32
